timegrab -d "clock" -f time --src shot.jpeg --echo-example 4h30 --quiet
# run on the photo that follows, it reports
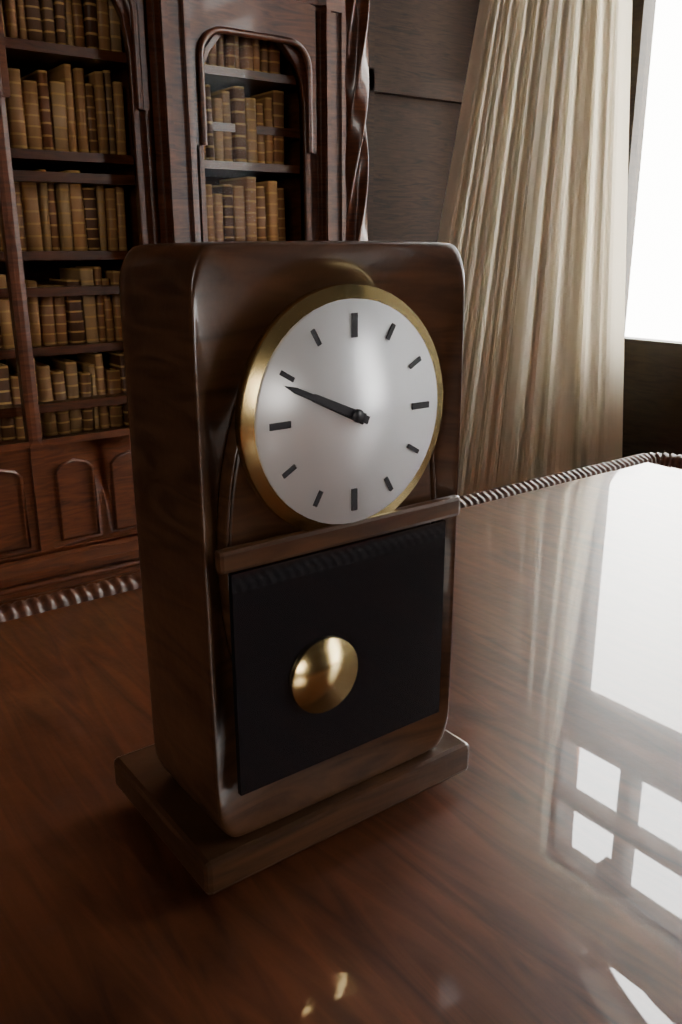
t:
9h49
